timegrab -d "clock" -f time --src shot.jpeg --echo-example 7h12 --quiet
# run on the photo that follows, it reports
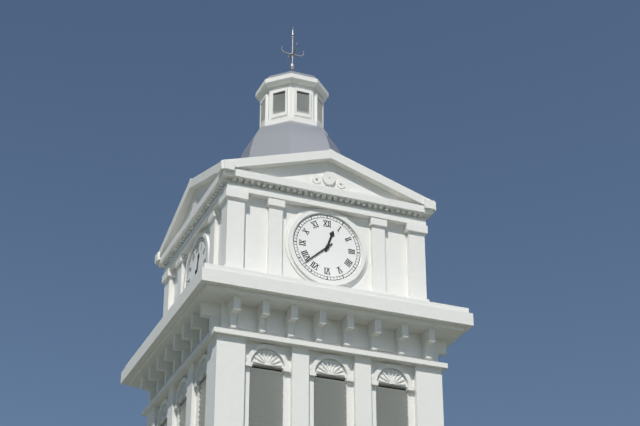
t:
12h38
